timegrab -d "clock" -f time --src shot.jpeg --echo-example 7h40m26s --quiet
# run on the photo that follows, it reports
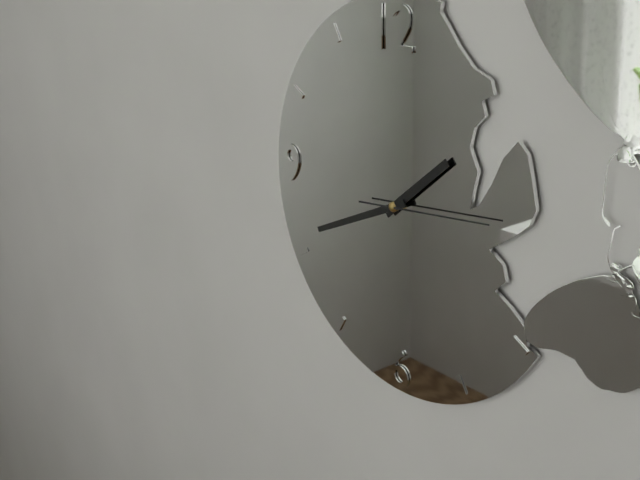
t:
1h41m14s
